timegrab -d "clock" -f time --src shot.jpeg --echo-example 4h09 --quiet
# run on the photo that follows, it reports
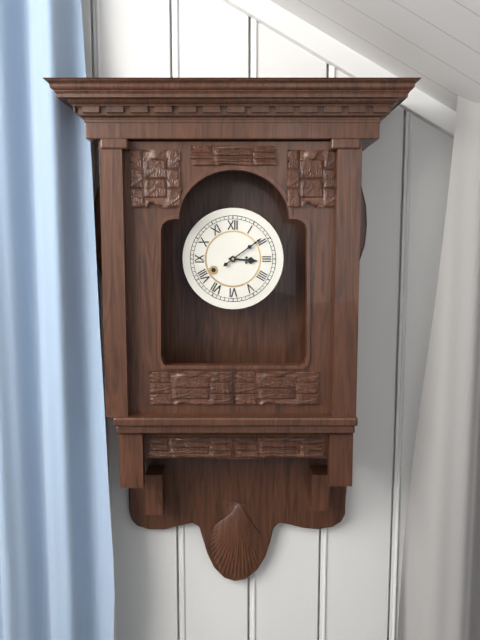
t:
3h09
